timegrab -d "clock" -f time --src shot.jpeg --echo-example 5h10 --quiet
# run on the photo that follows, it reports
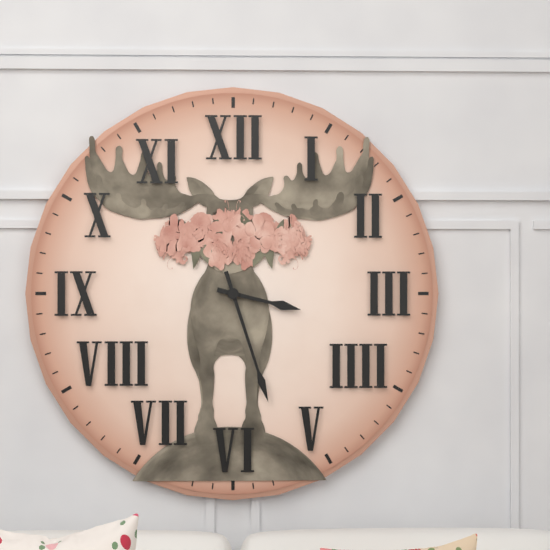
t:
3h27
